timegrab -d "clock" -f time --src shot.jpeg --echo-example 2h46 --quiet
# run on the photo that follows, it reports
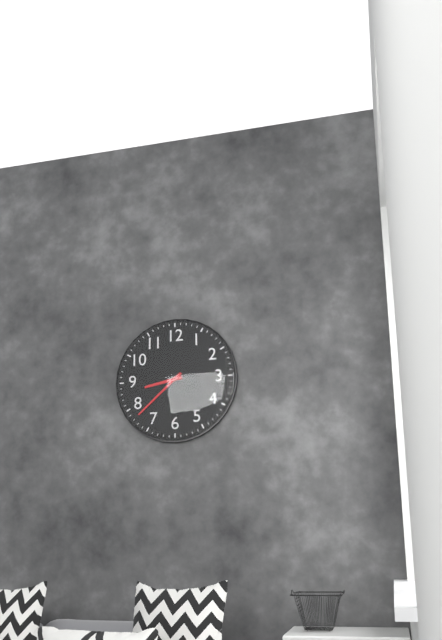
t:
8h38
